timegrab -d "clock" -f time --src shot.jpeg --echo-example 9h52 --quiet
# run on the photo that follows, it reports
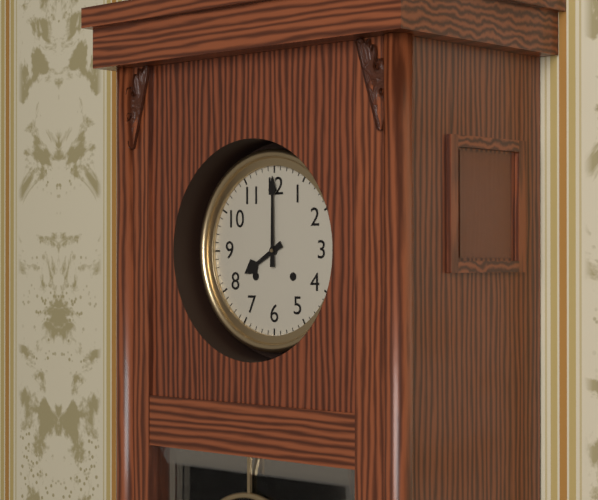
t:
8h00
